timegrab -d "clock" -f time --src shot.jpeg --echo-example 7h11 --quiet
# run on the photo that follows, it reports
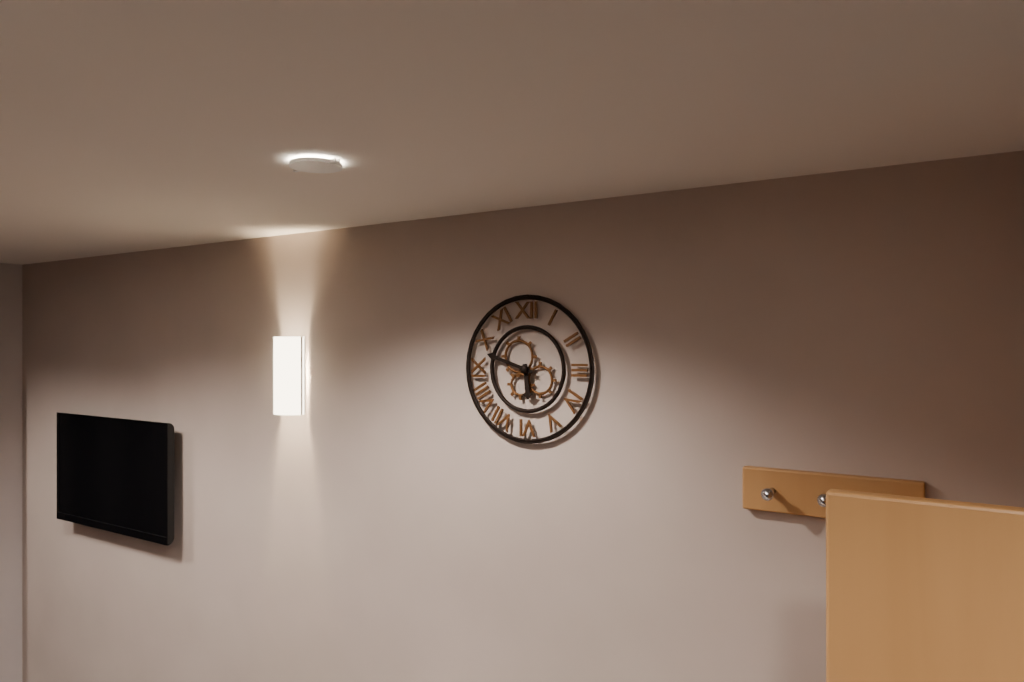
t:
5h48
